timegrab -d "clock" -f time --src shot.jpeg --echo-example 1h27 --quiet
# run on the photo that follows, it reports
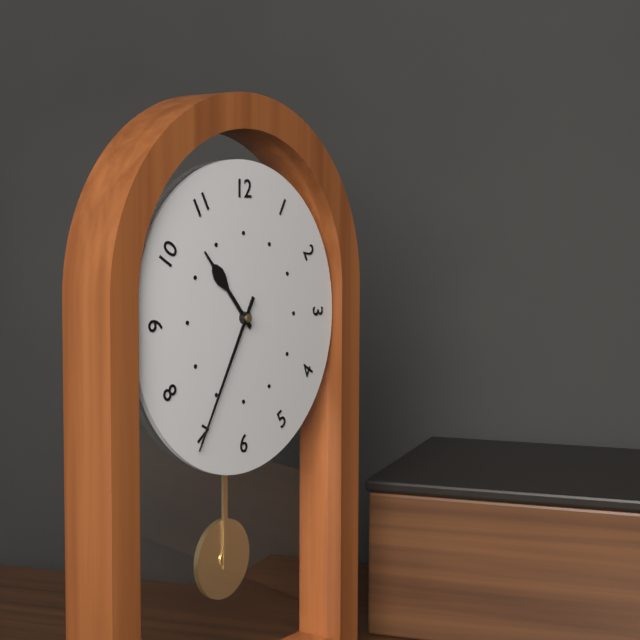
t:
10h35
